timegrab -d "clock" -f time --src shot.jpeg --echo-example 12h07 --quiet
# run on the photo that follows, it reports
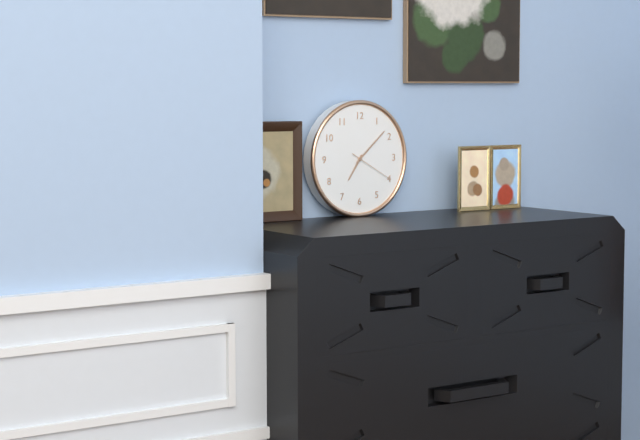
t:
7h08
